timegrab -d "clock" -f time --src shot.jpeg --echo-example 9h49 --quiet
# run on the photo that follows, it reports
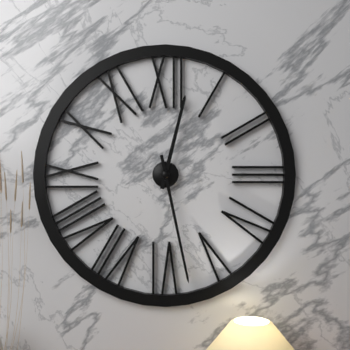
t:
12h28
